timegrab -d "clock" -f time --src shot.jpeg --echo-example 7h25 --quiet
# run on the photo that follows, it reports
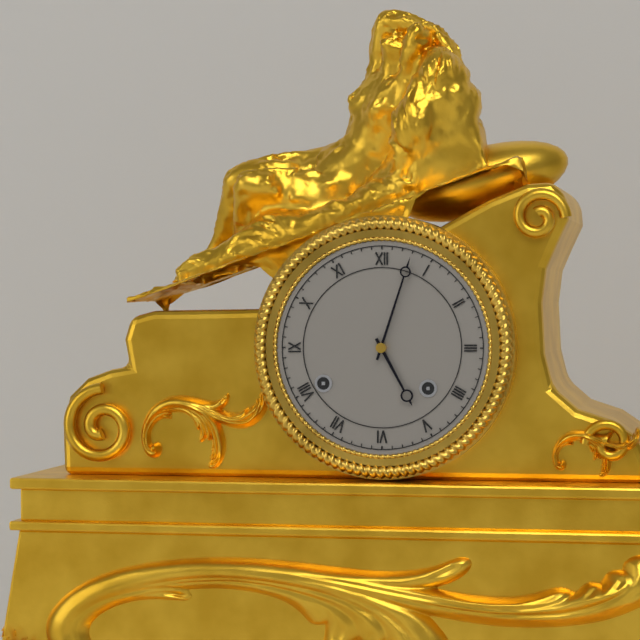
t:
5h03
